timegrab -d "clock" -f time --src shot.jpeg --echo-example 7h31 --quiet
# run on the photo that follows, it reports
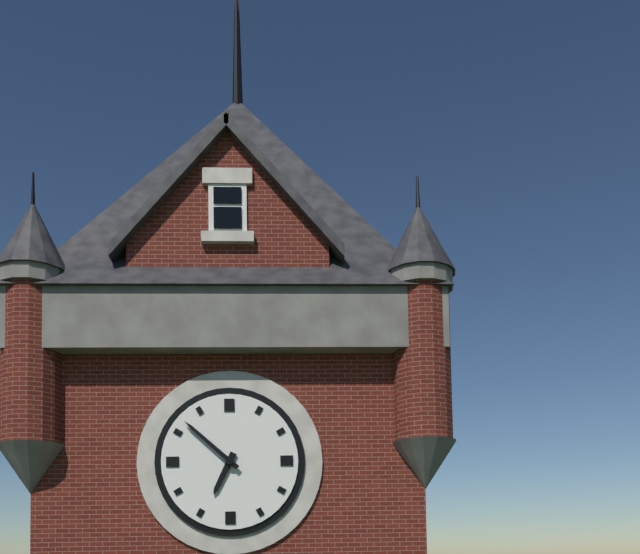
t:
6h52
